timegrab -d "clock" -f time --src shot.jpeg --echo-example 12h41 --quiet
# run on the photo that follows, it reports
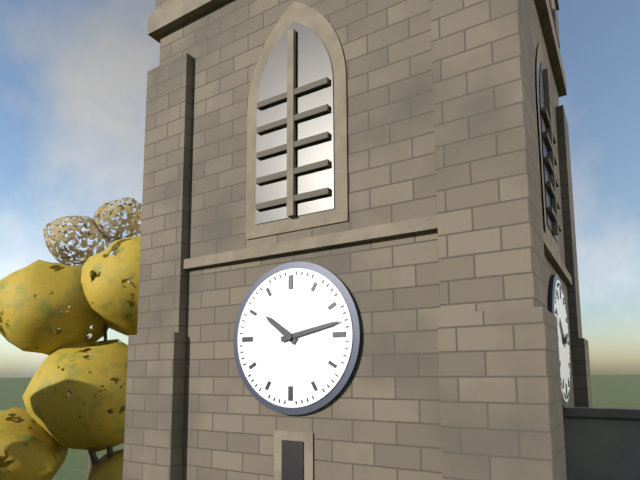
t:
10h13
